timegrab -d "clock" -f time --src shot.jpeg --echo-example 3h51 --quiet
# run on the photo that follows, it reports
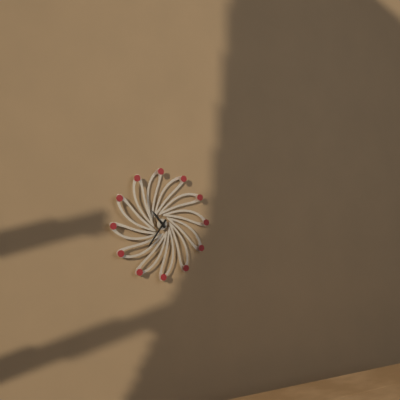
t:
10h36
